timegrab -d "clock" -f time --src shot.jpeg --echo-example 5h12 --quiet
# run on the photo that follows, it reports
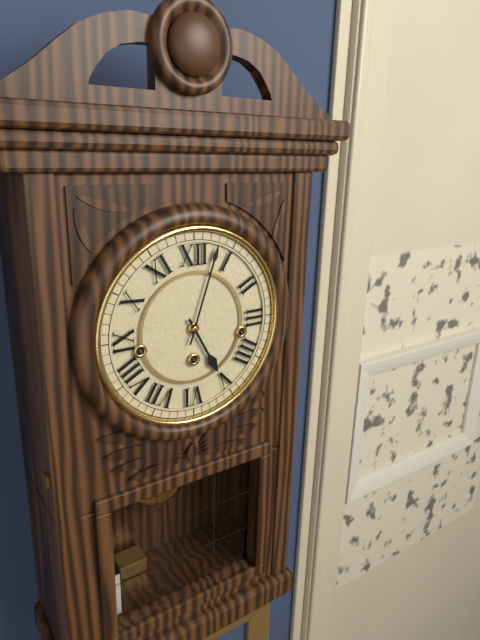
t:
5h03
